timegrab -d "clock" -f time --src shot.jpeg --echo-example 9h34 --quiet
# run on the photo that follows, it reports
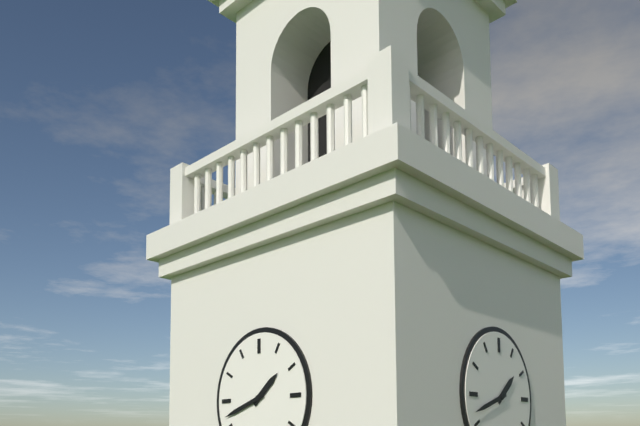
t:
1h42
